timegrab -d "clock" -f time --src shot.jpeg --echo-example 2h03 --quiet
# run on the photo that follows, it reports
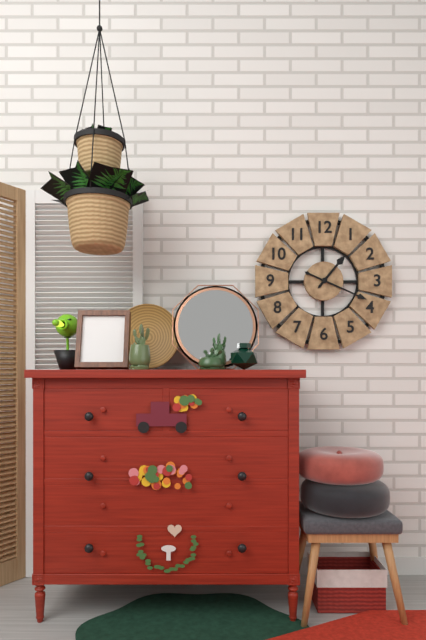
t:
1h19
